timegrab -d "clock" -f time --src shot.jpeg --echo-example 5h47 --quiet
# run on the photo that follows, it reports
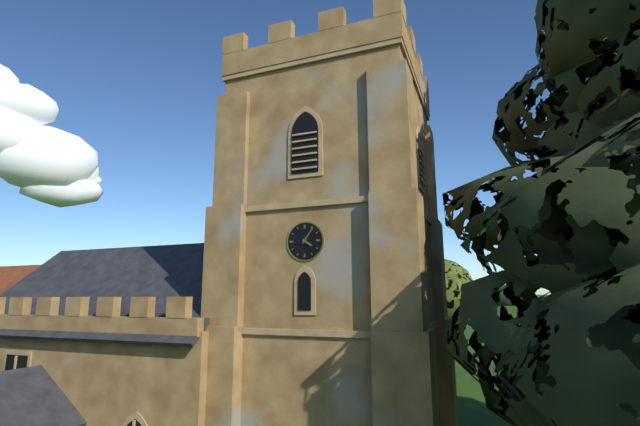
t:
4h06
